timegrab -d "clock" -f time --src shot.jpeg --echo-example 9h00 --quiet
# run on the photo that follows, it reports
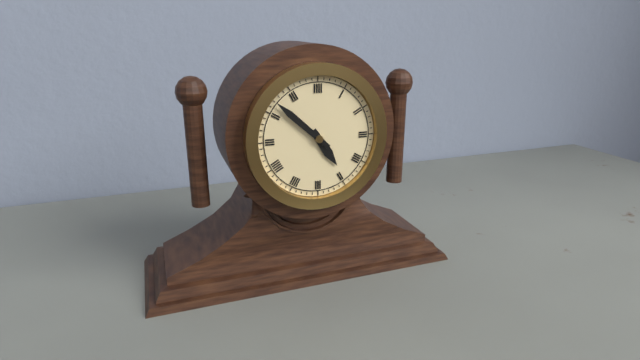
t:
4h52
